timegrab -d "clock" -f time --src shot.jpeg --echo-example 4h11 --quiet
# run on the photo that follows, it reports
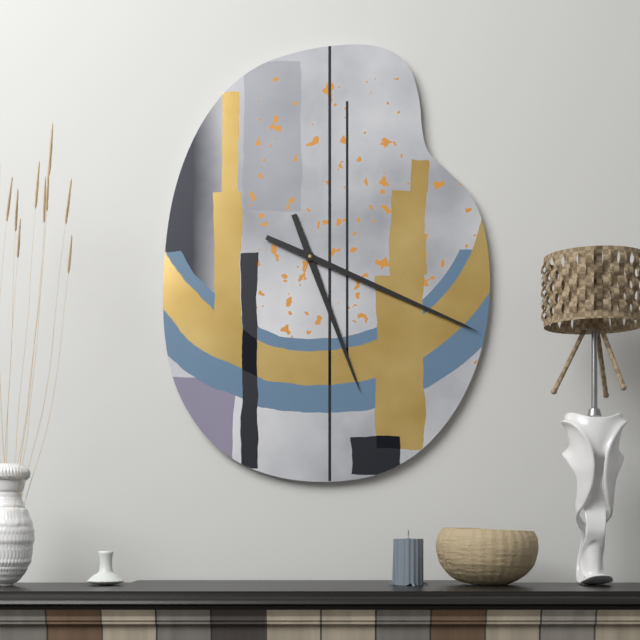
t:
5h19
